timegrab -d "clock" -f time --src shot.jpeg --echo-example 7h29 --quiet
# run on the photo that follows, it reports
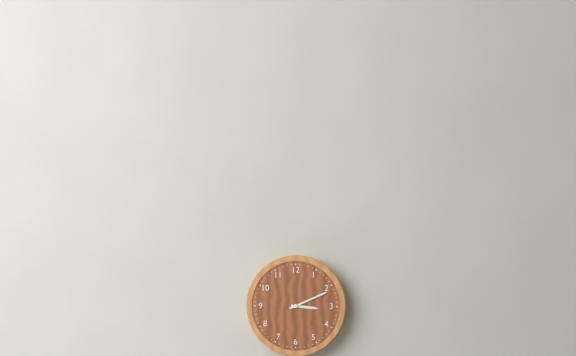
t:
3h11
